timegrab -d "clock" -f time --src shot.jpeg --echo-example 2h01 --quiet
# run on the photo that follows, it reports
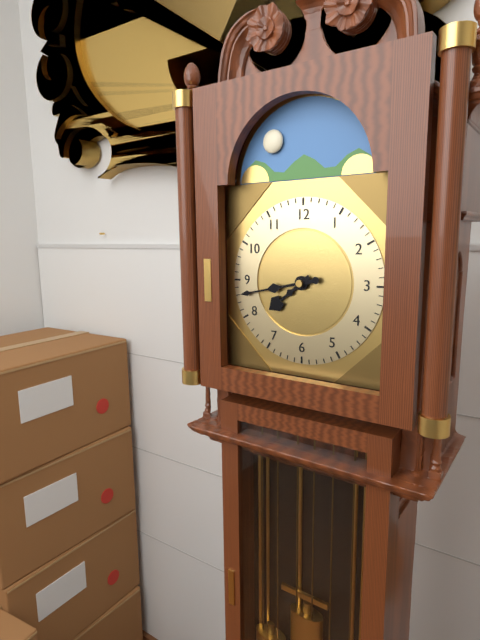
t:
7h43
